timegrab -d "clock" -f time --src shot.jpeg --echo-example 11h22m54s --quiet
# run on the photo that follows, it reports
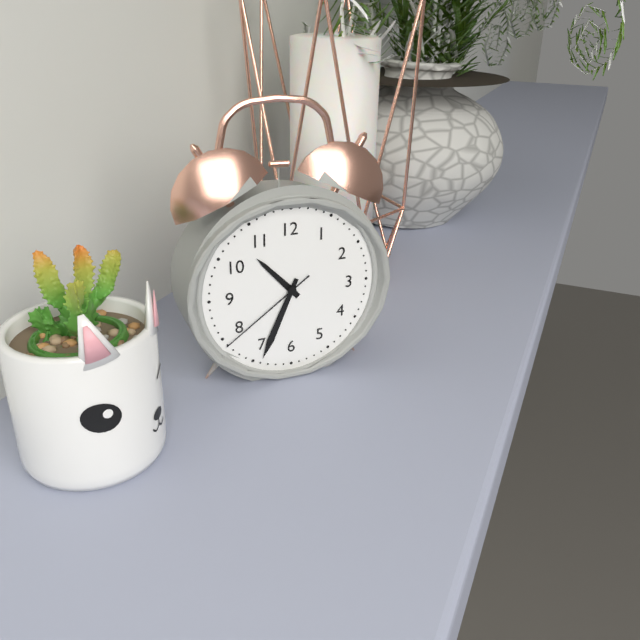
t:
10h34m39s
